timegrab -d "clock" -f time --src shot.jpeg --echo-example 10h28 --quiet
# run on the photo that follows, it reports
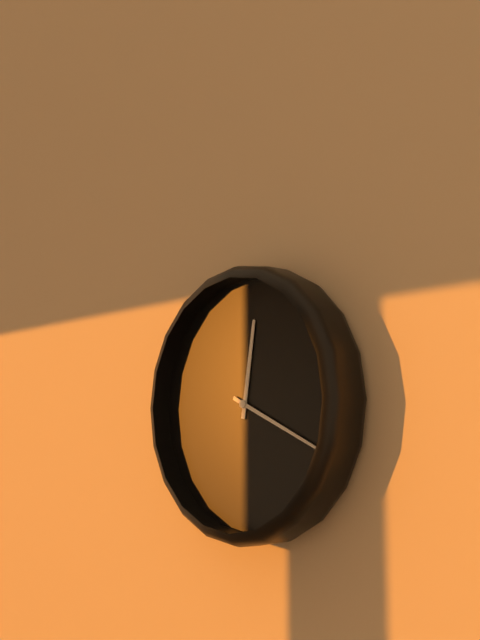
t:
12h19
